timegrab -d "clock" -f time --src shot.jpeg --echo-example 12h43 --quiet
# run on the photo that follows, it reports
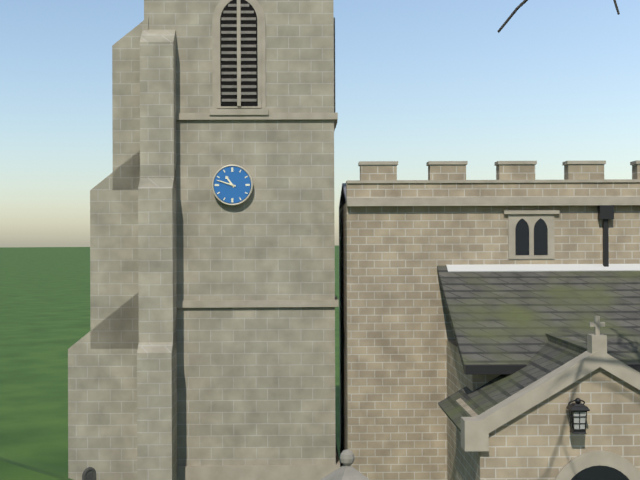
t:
10h48
